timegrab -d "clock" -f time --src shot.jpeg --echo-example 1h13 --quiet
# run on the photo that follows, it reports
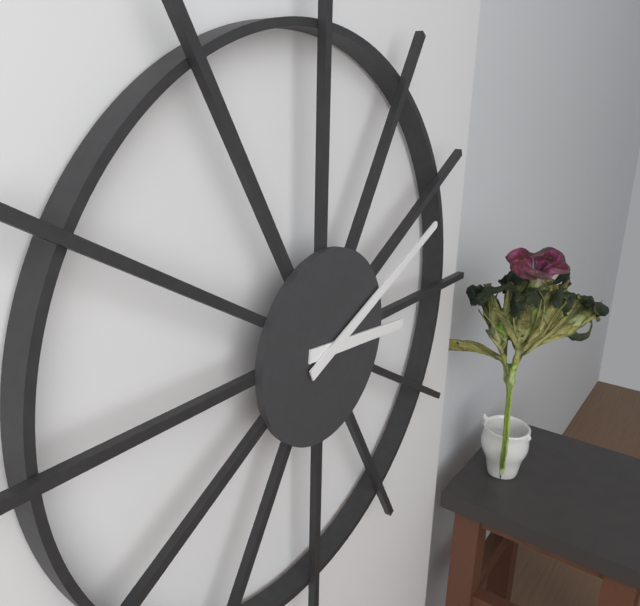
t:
3h11
